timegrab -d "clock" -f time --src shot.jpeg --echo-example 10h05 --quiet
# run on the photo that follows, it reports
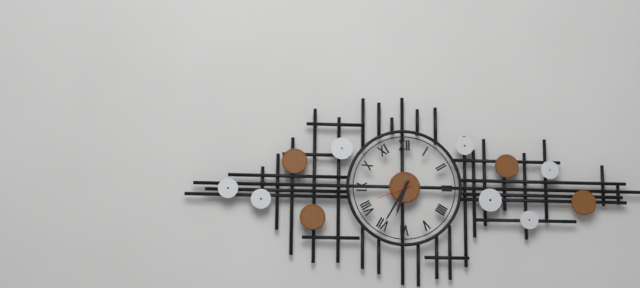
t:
6h35
